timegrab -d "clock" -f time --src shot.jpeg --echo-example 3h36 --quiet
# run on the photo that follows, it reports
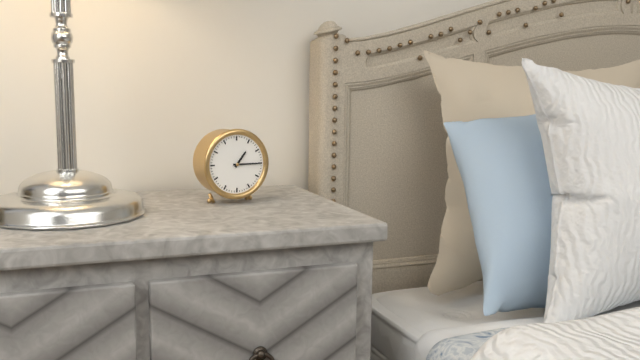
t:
1h15
